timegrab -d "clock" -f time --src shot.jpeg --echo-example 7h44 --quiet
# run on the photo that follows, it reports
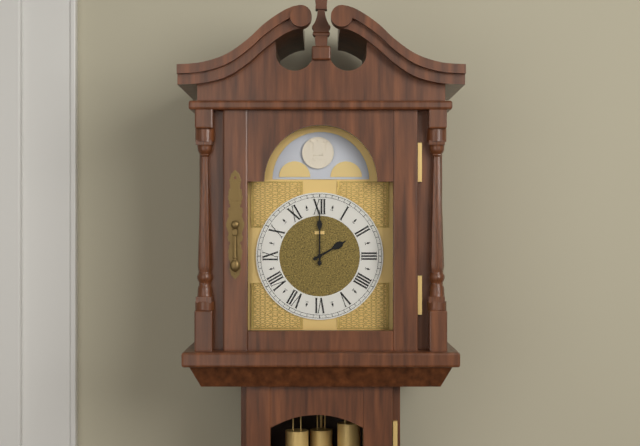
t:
2h00
